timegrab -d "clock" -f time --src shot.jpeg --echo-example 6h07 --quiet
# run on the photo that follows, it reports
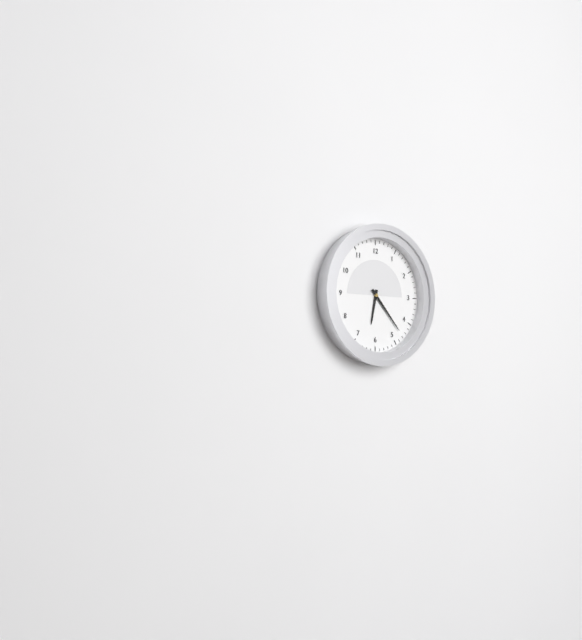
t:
6h23
